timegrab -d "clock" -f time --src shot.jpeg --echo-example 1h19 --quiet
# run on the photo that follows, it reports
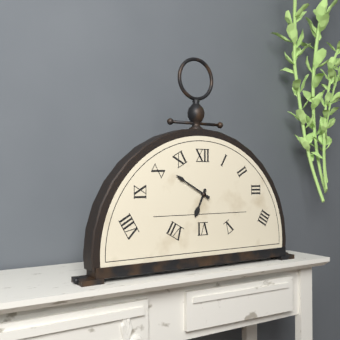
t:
6h50
